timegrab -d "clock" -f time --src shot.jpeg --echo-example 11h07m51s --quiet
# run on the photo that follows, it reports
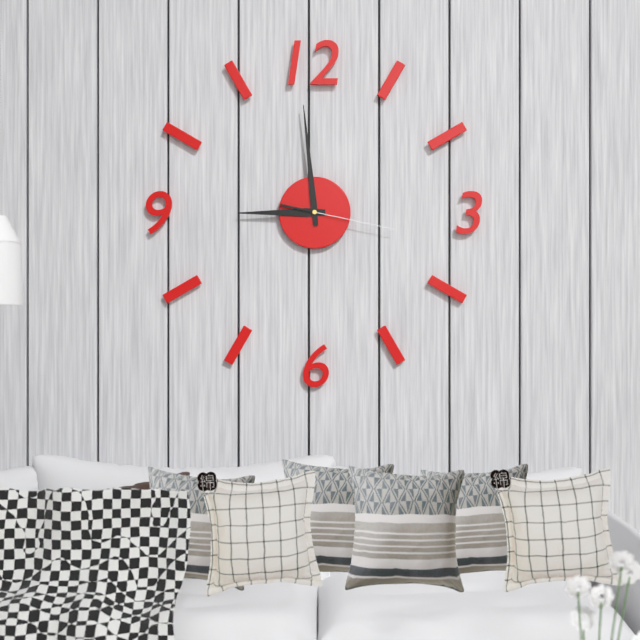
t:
8h59m17s
